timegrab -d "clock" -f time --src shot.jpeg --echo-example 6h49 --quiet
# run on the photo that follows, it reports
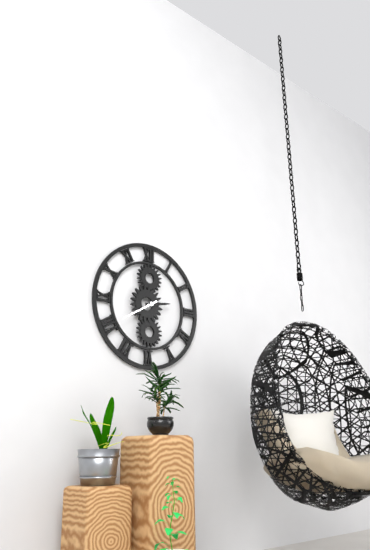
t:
2h40
